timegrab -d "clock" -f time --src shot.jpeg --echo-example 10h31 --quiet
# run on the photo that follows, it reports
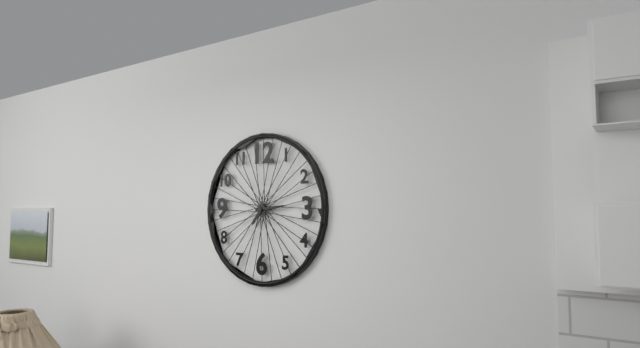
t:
7h14
